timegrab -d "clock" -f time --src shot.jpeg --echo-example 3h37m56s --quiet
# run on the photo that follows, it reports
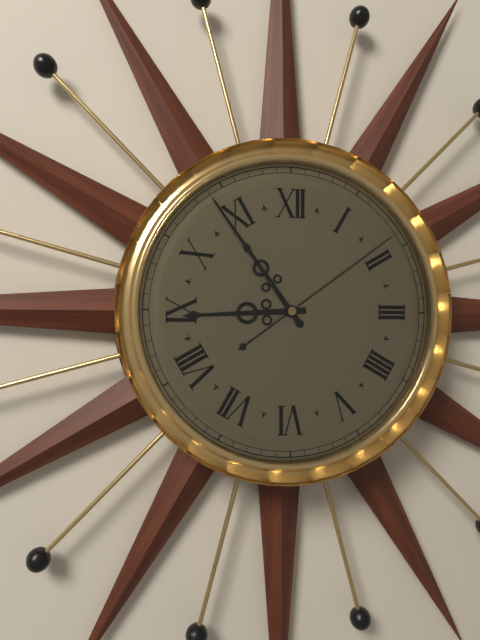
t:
8h54m09s
